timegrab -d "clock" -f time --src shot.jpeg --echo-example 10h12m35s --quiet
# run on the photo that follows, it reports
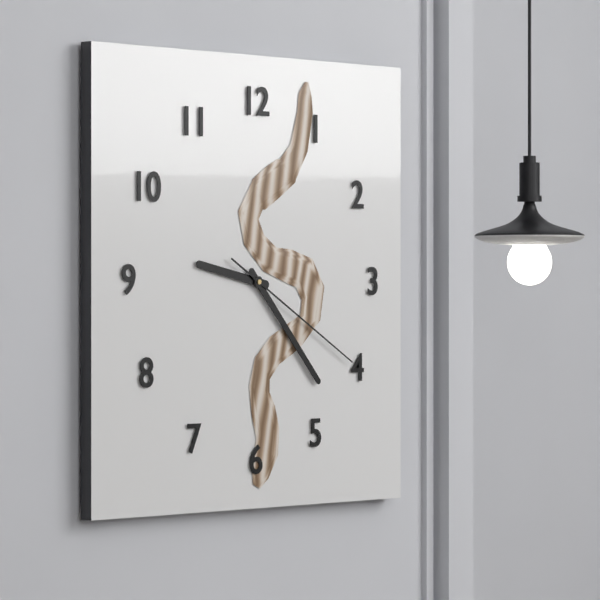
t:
9h23m20s
